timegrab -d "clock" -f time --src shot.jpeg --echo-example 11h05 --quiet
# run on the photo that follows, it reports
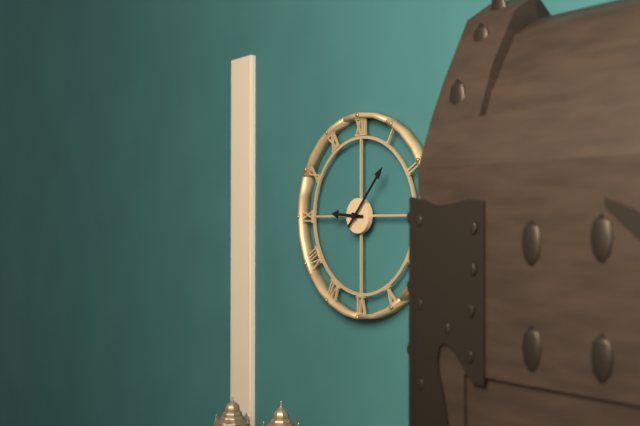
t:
9h07
